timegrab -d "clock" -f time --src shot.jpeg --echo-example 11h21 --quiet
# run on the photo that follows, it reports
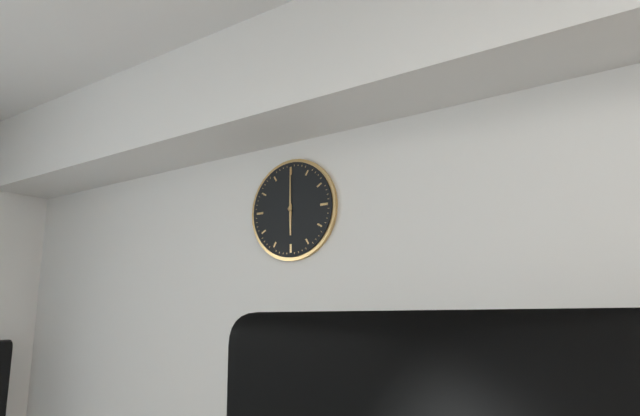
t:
6h00
